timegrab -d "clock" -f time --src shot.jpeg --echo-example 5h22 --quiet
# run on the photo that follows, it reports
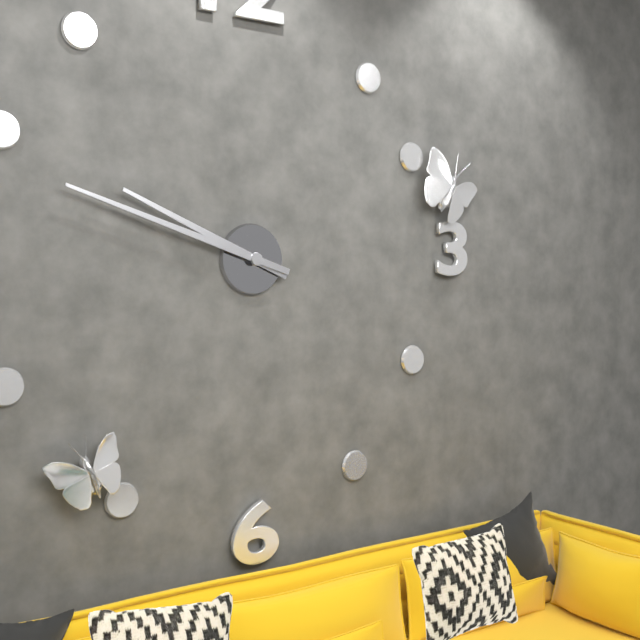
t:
9h48
